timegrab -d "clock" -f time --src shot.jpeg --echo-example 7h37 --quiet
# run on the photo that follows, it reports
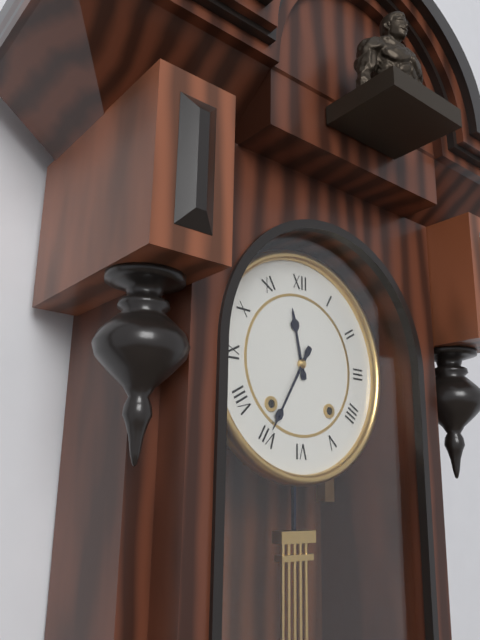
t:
11h35
